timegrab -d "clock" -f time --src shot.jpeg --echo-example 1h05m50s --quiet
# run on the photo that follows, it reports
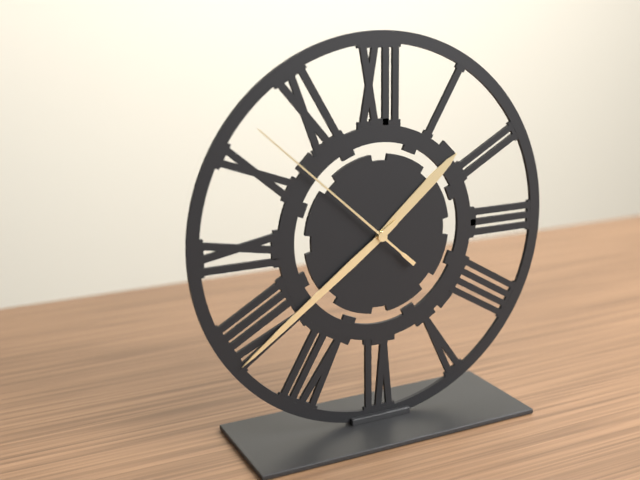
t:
1h39m52s
